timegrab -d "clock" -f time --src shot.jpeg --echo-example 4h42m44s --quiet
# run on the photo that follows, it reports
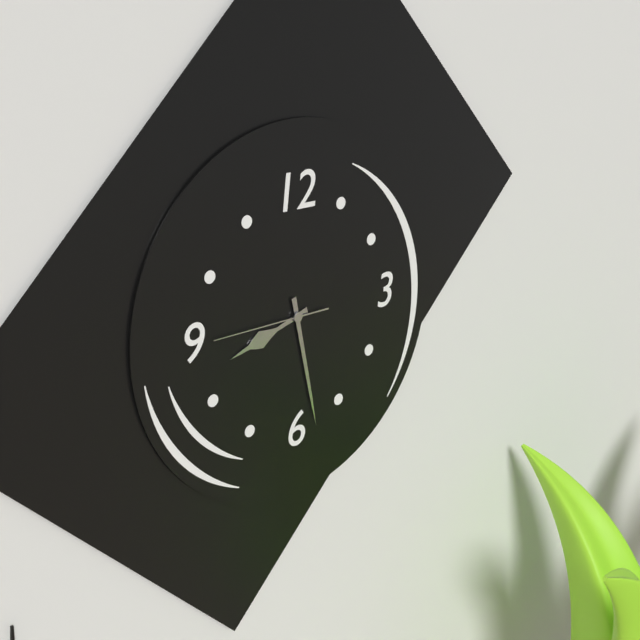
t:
8h28m45s
